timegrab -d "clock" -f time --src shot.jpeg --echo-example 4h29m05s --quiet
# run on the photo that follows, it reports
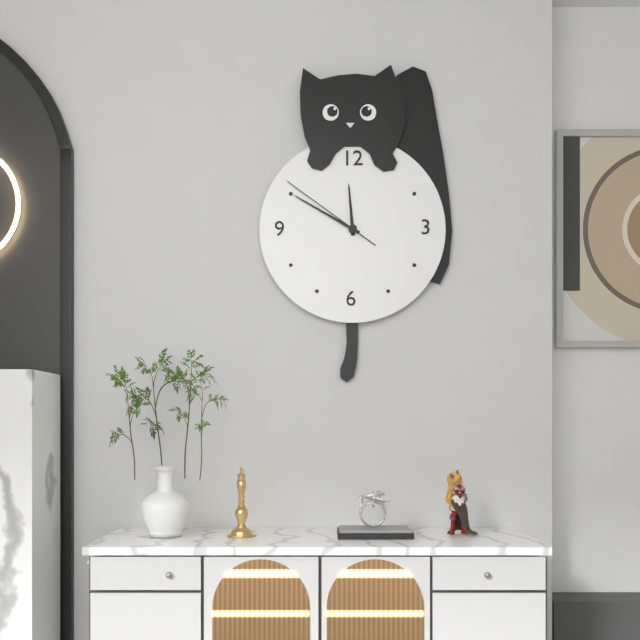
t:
11h50m51s
